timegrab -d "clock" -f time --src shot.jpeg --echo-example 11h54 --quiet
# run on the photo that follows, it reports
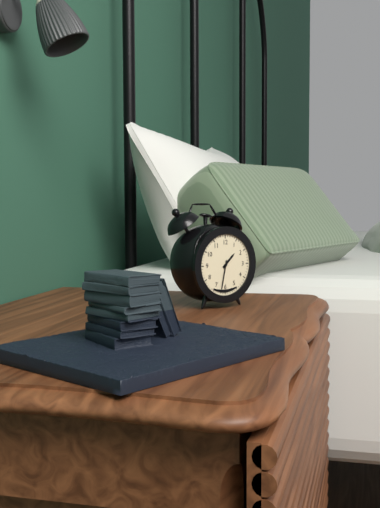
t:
1h32
